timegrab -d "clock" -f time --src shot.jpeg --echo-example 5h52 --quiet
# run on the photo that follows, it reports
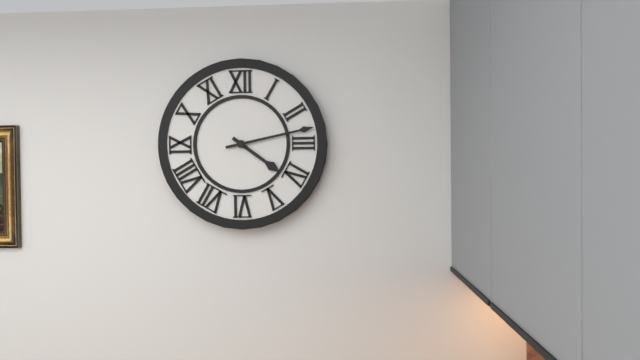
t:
4h13
